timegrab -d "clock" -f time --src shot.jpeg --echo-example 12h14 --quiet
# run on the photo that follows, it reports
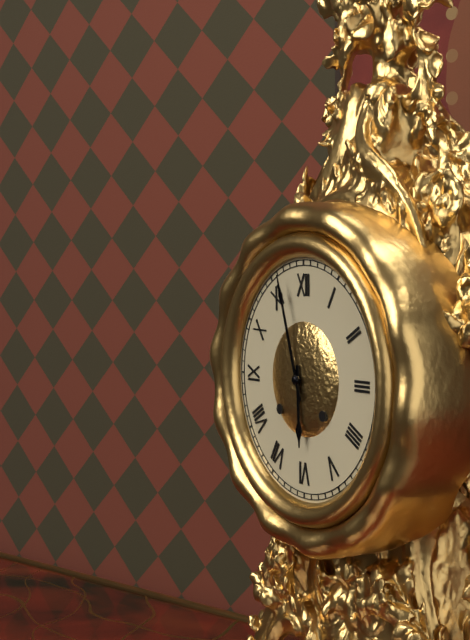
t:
5h57
